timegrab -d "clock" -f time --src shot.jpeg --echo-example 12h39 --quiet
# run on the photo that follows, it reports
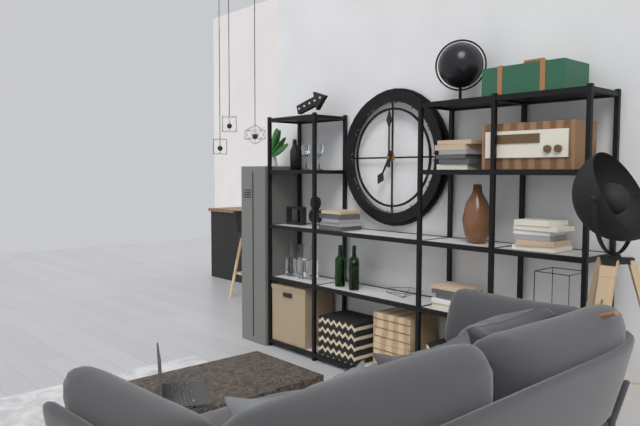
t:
7h00
